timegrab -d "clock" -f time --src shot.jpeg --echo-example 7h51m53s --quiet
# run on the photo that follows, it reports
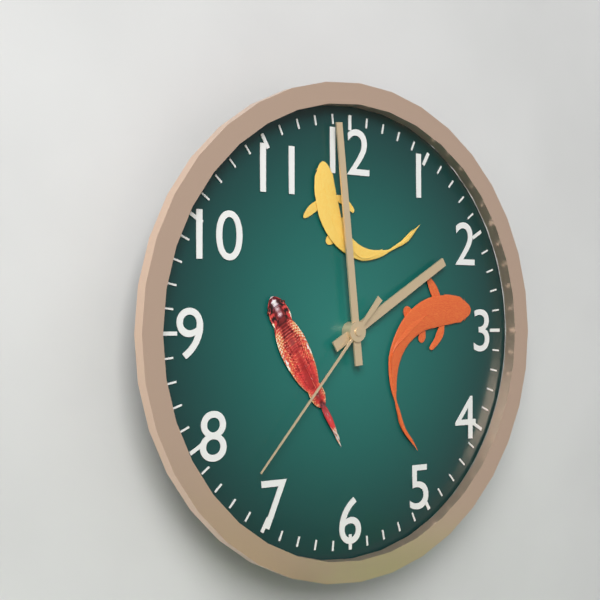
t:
1h59m37s
